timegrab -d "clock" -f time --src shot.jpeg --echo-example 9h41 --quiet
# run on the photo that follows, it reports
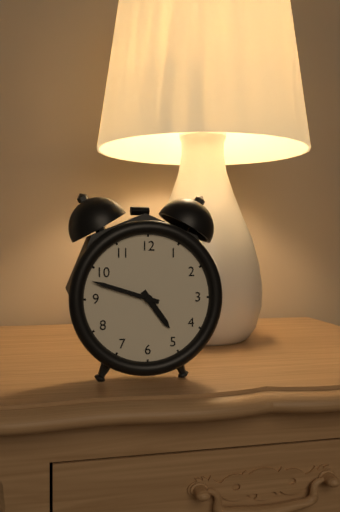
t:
4h48
